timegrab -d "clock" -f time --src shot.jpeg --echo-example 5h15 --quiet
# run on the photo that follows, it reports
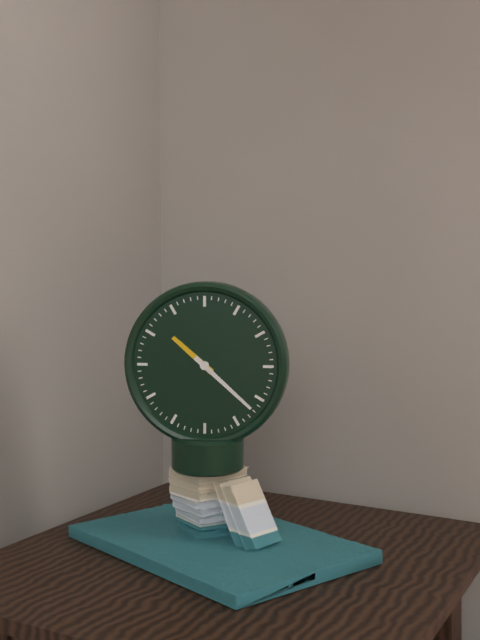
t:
10h22
